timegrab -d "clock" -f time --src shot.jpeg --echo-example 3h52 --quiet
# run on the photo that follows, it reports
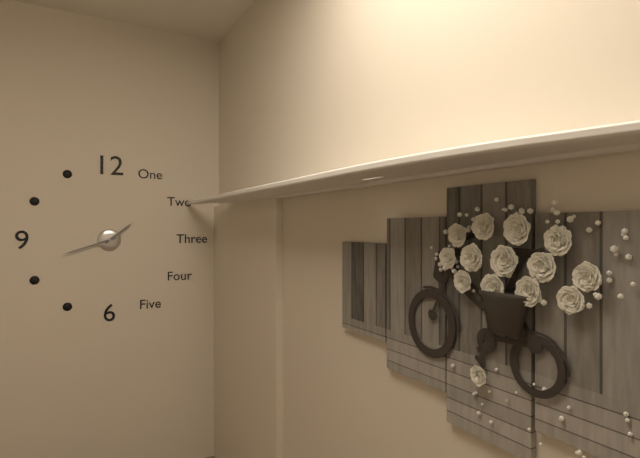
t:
1h42
